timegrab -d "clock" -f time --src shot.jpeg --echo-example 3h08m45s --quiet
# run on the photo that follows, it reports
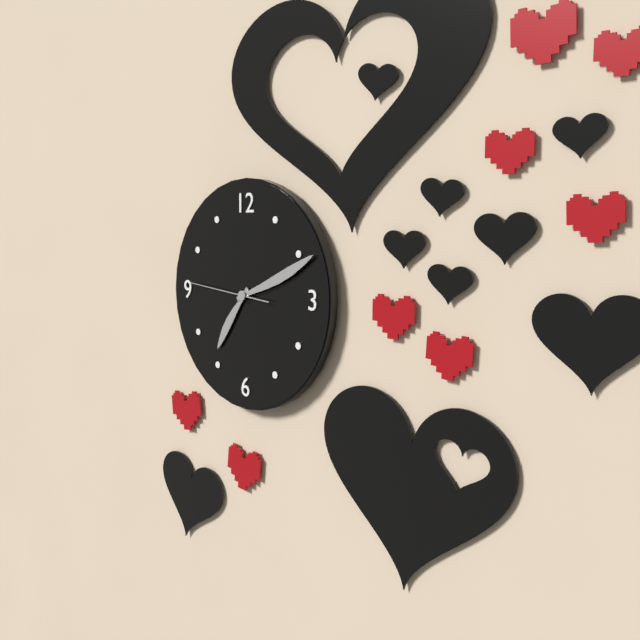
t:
7h11m46s
